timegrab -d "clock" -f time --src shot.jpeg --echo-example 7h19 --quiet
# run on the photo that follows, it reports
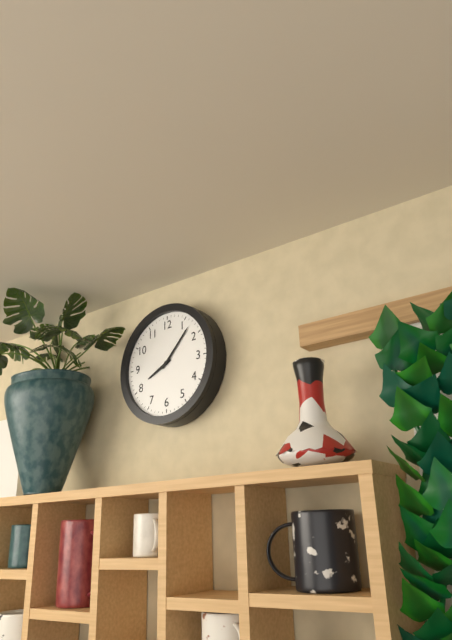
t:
8h07
